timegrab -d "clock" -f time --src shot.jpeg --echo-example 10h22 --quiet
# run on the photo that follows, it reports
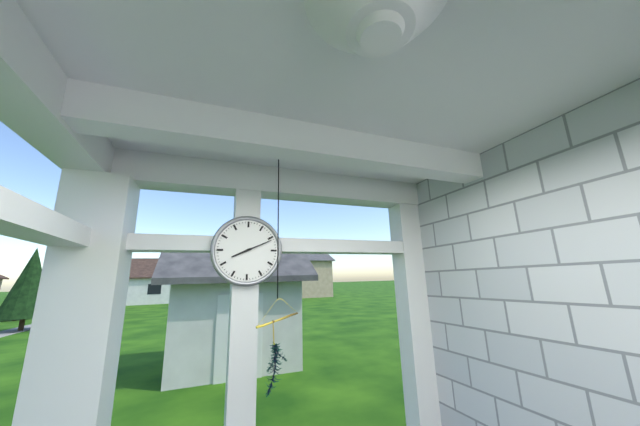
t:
8h11
